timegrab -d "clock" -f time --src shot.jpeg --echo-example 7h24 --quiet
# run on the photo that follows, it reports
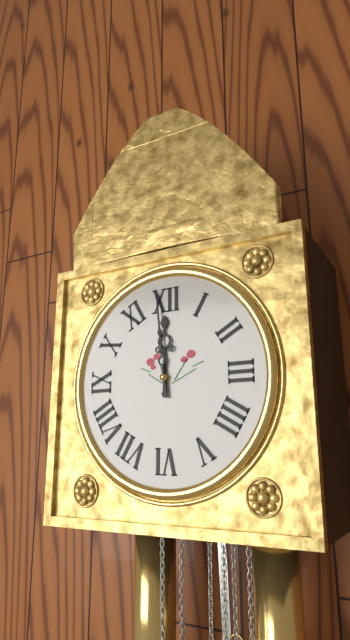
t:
11h59
